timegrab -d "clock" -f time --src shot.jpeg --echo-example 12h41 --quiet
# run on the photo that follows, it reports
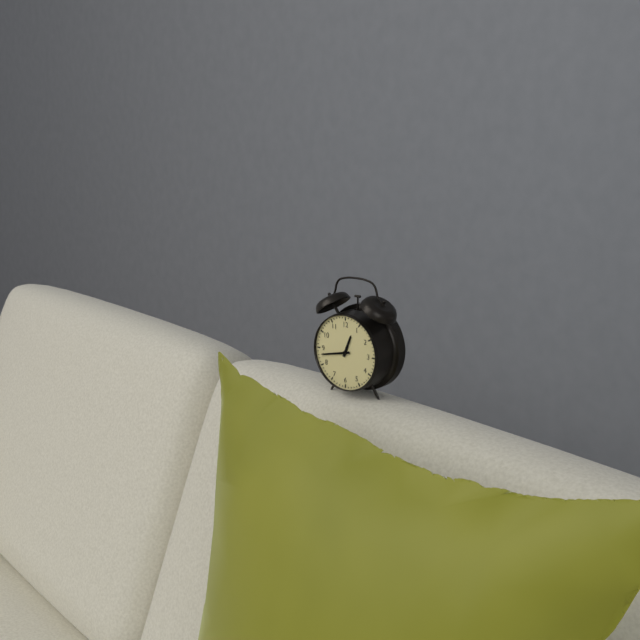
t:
12h43
